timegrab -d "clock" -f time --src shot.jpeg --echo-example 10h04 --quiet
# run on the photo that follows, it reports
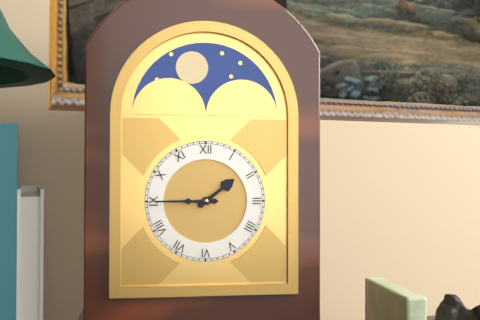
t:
1h45
